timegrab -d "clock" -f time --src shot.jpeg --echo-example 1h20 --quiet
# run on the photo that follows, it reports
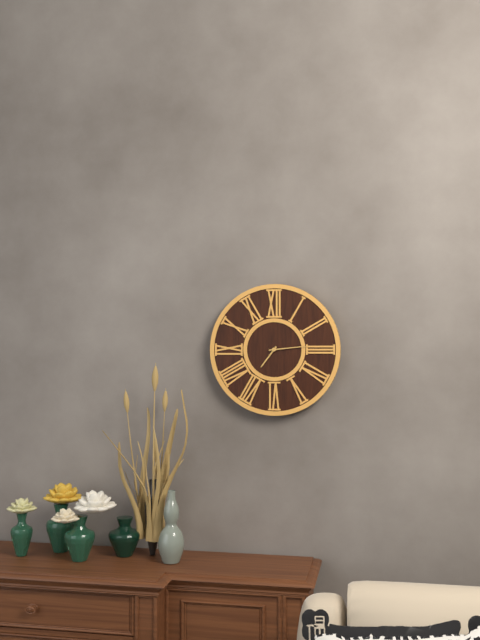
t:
7h14
